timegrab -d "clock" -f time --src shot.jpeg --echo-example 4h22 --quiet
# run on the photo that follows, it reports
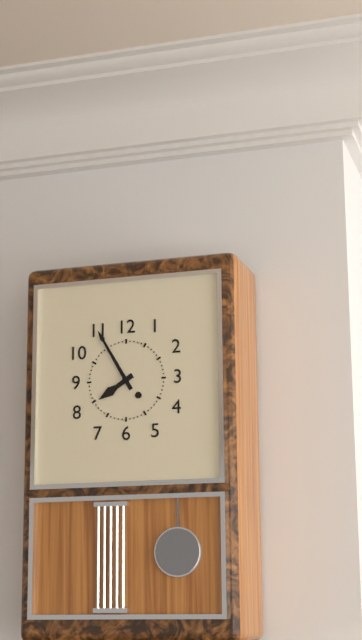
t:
7h55
